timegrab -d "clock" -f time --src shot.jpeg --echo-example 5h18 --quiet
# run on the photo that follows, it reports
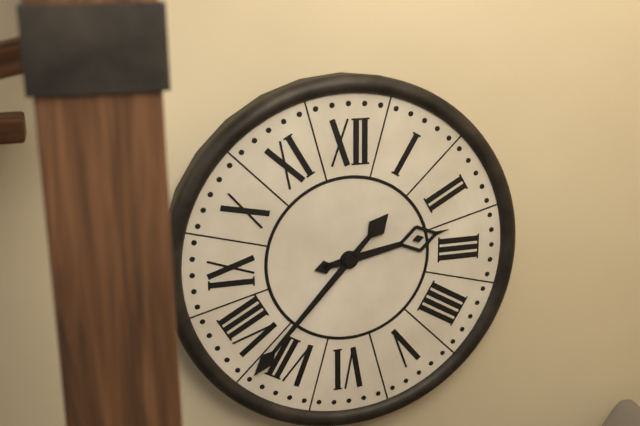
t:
2h37
